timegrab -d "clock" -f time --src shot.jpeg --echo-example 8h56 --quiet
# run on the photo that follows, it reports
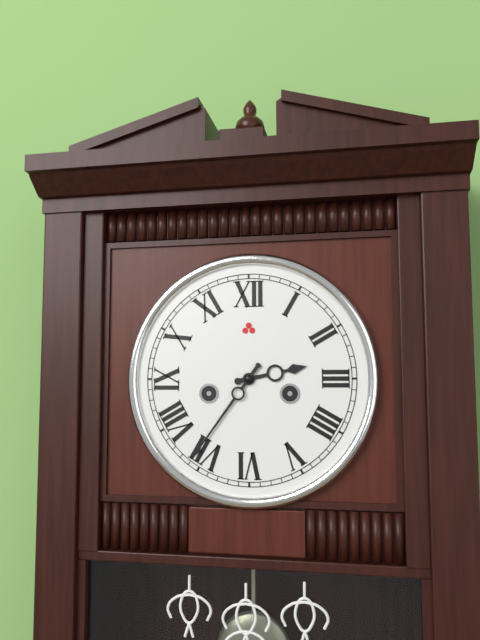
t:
2h36
